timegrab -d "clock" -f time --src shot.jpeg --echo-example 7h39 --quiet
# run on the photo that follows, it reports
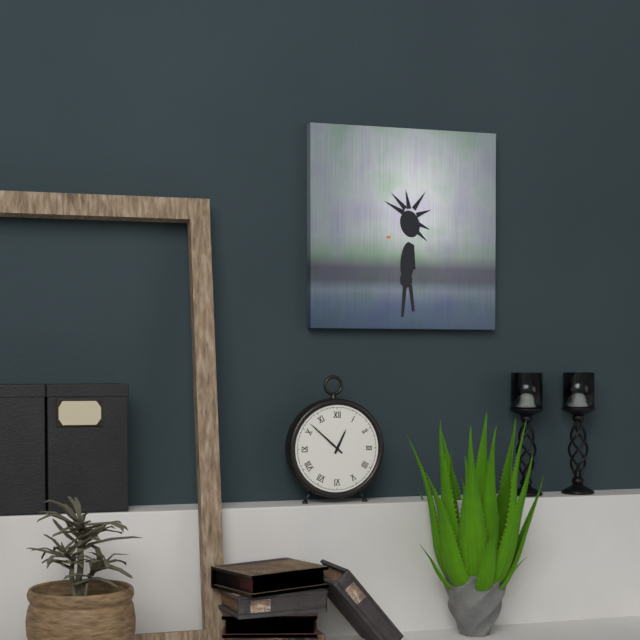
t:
12h52
